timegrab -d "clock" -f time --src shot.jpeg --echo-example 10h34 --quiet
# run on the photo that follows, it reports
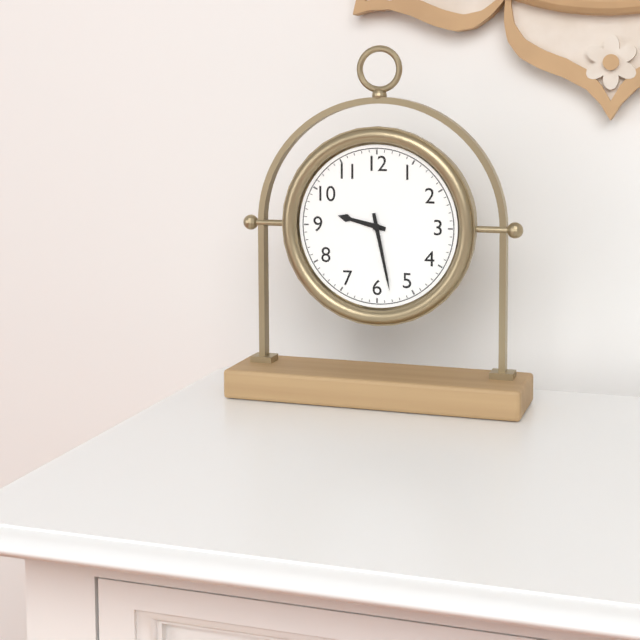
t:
9h28
